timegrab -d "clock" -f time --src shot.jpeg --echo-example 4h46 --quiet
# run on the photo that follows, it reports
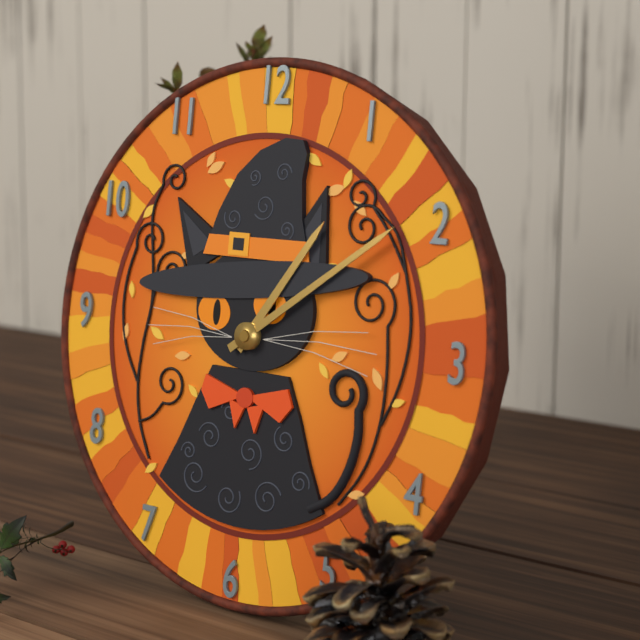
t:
1h09
